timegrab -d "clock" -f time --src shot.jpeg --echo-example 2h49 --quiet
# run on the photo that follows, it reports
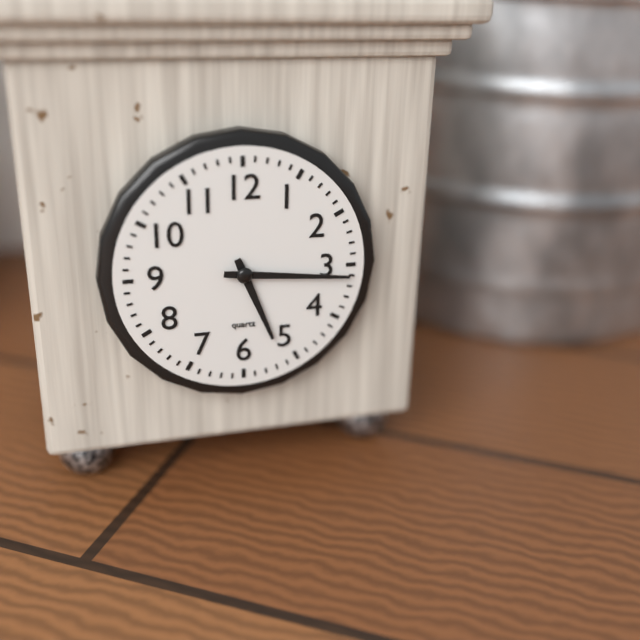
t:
5h16
